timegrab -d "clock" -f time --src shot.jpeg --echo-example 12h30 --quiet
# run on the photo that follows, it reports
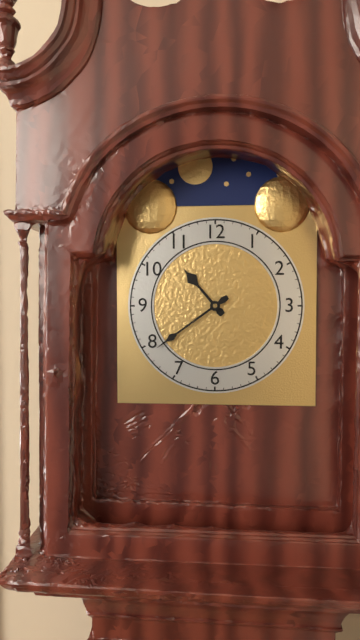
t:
10h39
